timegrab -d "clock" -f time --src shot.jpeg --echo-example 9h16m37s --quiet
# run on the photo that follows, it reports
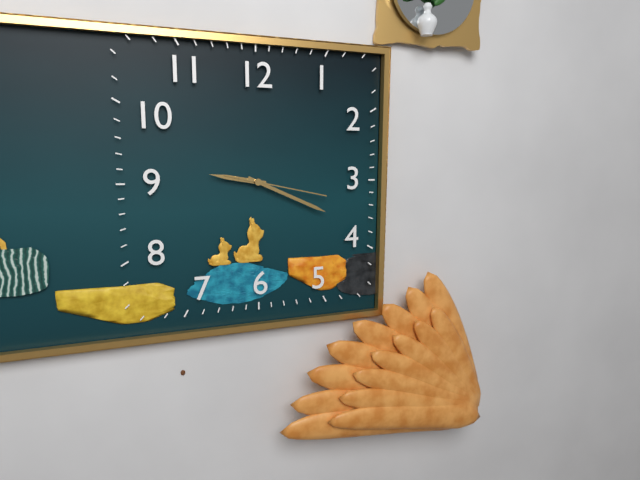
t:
9h19m17s
